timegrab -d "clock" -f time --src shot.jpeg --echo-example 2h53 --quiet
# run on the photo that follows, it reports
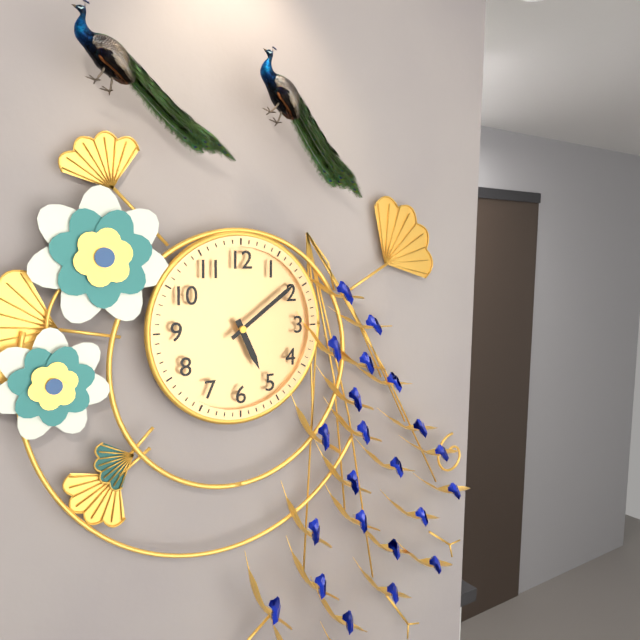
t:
5h09
